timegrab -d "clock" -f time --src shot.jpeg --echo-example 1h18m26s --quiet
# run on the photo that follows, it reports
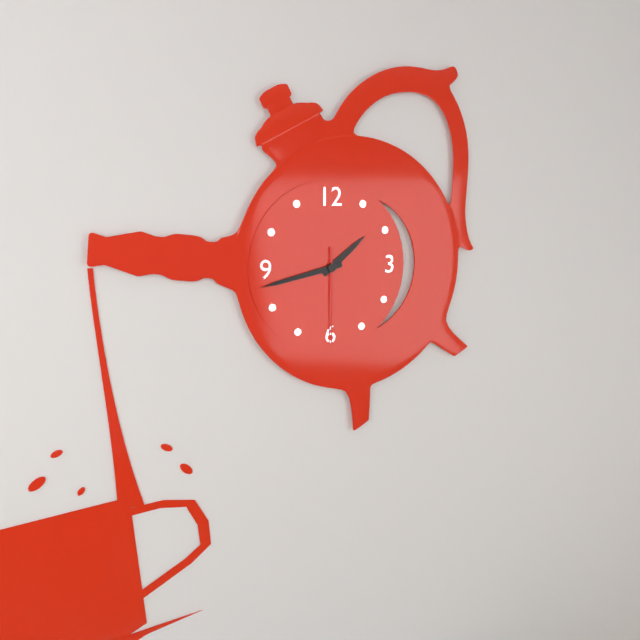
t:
1h43m30s
